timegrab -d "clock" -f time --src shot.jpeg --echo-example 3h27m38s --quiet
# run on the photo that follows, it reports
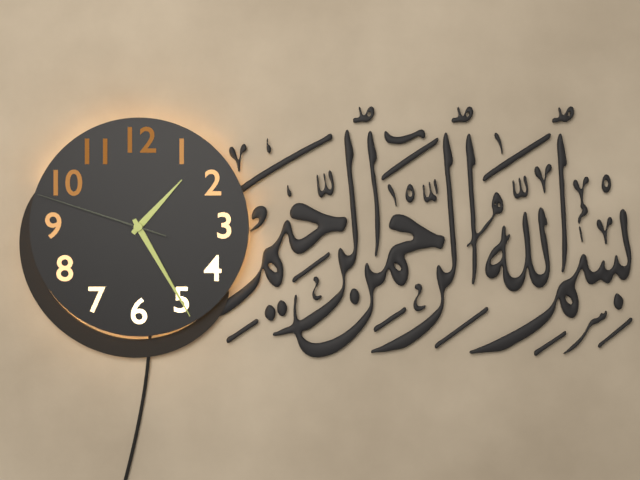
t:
1h25m48s
